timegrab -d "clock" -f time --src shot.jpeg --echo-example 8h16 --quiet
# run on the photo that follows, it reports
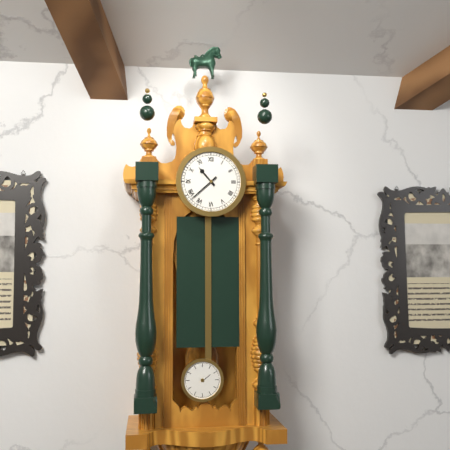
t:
10h38
